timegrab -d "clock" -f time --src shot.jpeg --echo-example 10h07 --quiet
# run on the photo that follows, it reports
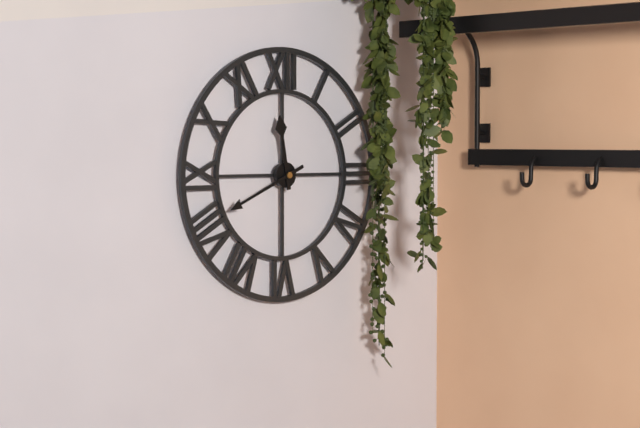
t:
11h41
